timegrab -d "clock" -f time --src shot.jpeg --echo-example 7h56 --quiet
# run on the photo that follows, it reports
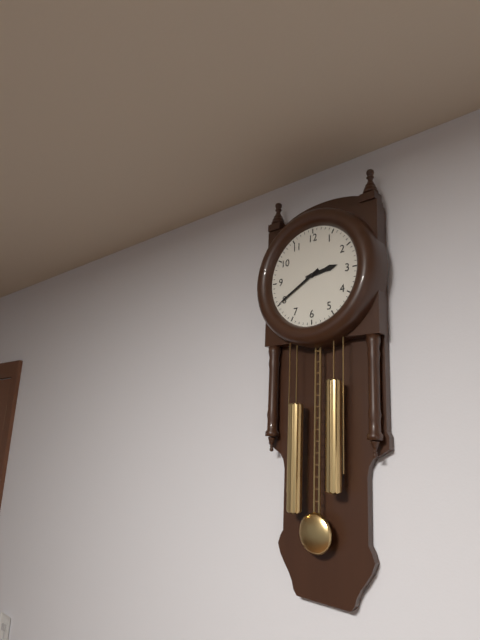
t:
2h40
